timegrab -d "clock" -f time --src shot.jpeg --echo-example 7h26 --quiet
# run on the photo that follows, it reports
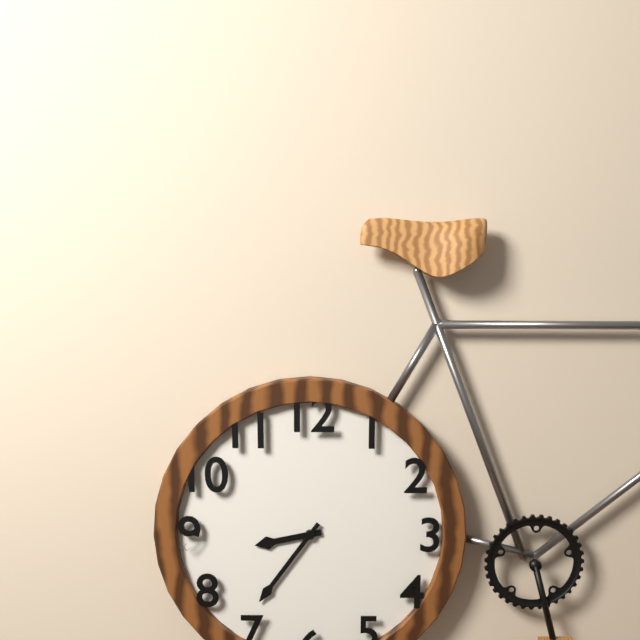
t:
8h36
